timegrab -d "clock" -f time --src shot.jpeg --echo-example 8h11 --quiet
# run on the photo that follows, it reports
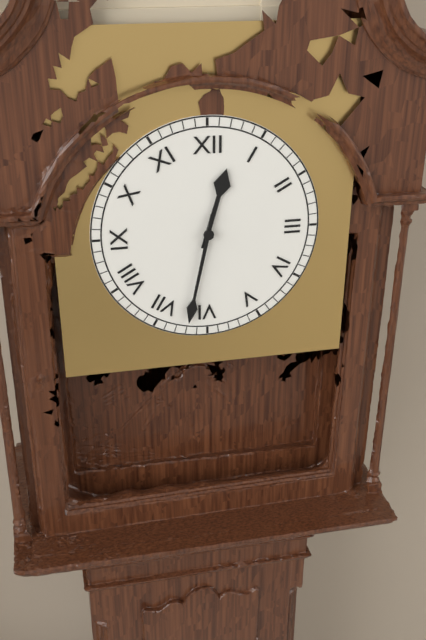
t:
12h32
